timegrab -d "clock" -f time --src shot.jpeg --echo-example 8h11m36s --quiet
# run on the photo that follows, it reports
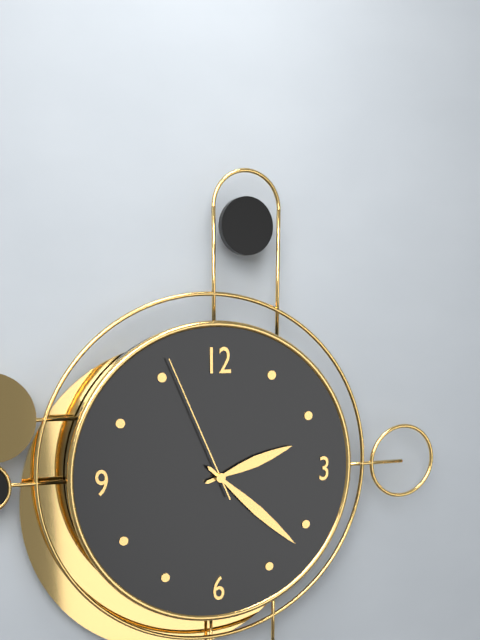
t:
2h22m56s
